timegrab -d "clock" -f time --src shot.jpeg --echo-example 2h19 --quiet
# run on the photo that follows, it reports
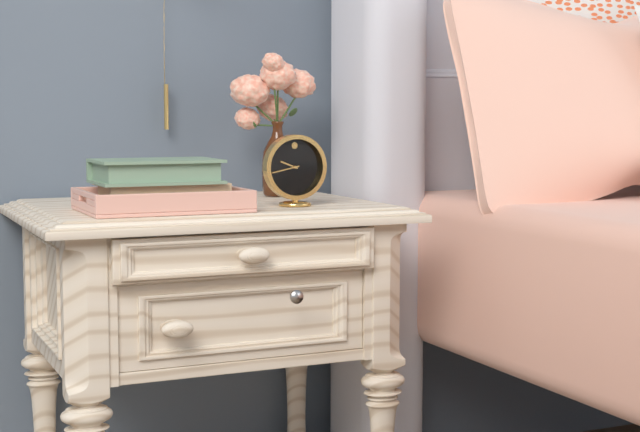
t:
9h43
